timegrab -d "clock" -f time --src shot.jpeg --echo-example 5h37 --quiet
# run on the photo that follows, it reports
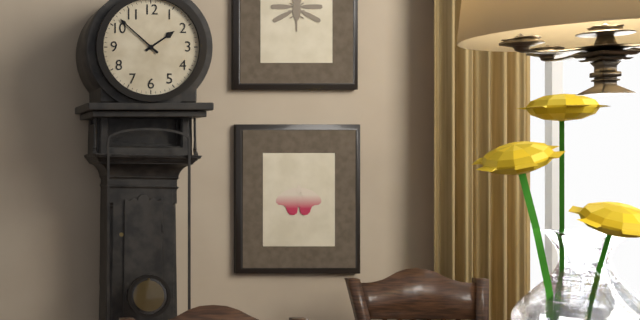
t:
1h52
